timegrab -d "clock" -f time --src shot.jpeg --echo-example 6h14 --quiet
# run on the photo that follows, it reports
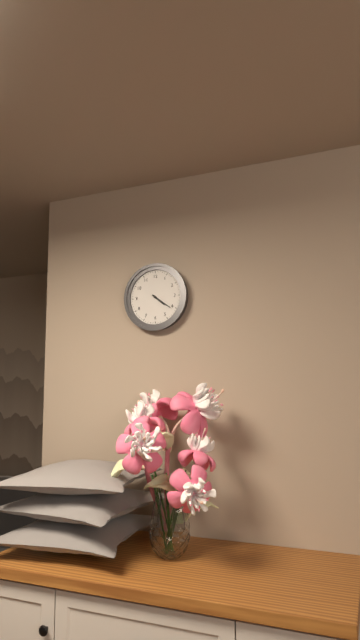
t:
4h21
